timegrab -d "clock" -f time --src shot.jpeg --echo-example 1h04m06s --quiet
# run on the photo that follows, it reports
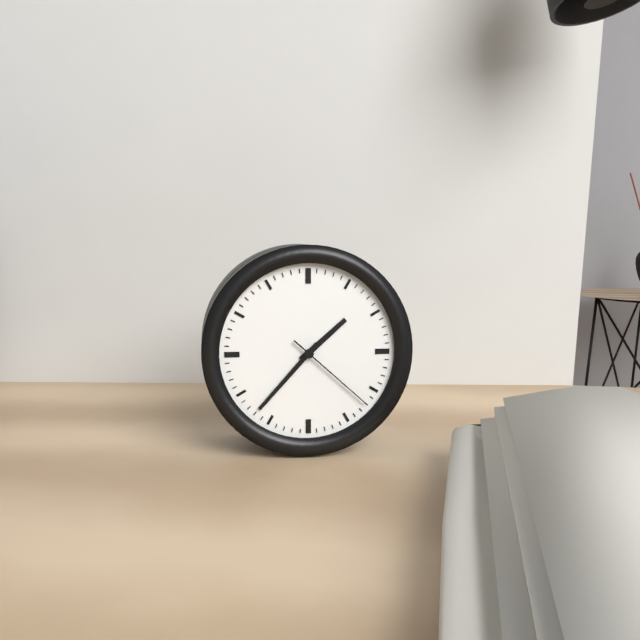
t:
1h37m22s
